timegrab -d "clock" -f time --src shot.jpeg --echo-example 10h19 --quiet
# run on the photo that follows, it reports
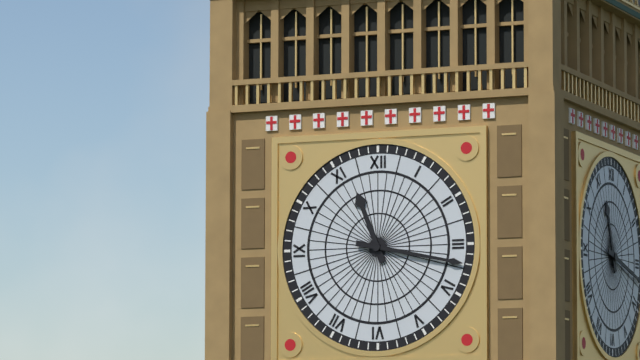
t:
11h17
